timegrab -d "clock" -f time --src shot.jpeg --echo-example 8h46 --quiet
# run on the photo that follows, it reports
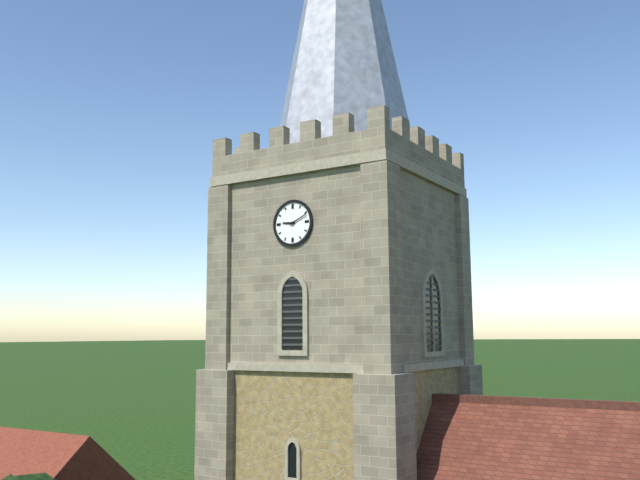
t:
9h11
